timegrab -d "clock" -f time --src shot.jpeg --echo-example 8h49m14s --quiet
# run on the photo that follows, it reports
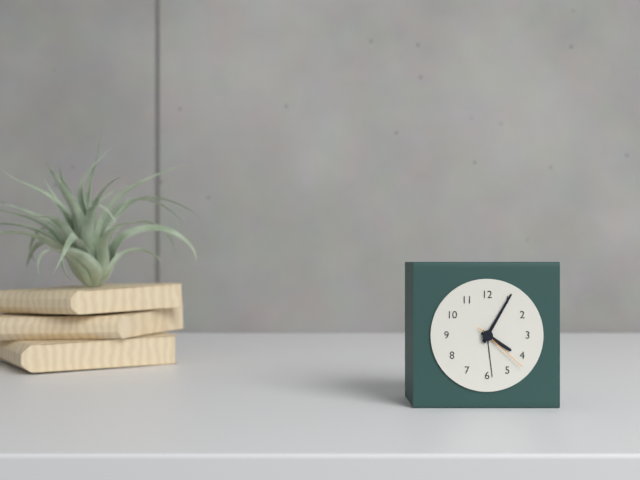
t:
4h05m22s
